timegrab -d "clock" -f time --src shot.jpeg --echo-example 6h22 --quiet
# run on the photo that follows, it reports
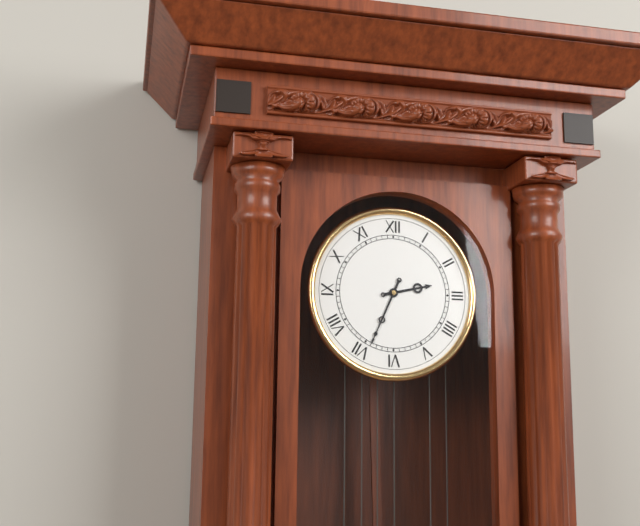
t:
2h34
